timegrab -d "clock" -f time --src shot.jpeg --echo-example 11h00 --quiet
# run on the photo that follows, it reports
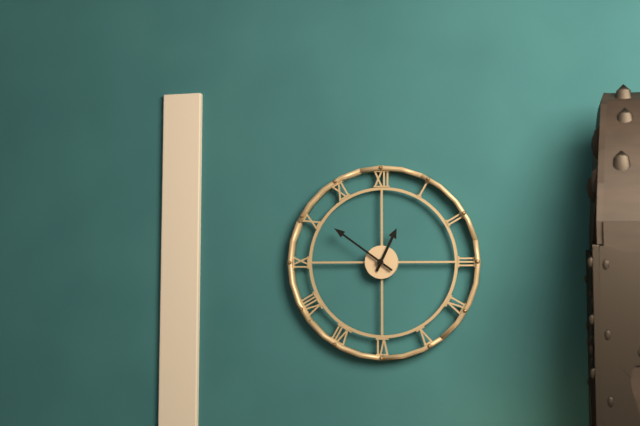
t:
12h51
